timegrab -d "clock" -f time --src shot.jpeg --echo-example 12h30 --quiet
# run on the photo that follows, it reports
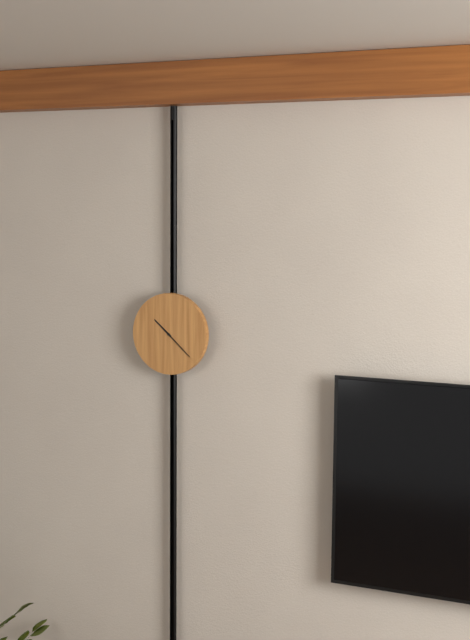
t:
10h22
